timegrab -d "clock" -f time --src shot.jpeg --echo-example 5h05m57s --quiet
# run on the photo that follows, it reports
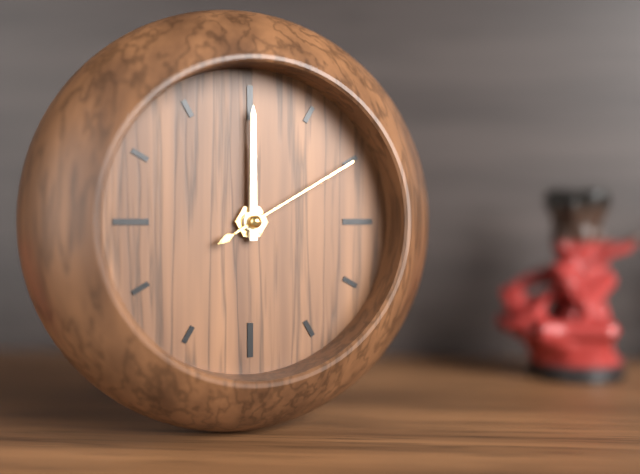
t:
12h00m10s
